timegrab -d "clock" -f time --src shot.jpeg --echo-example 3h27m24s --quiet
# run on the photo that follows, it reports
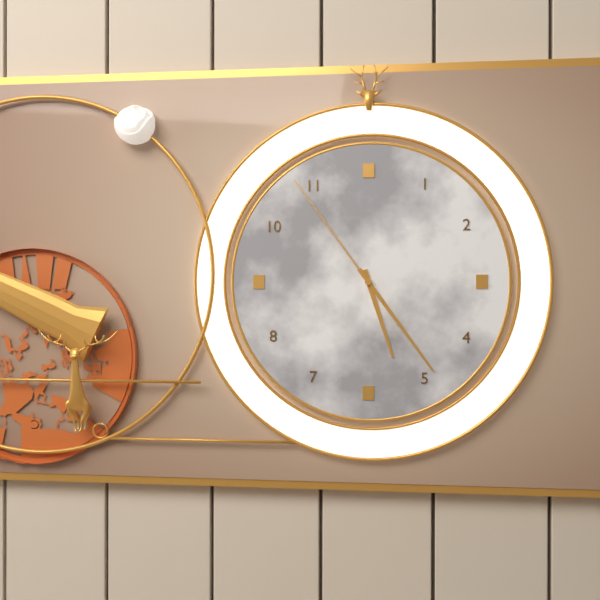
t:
5h24m54s
